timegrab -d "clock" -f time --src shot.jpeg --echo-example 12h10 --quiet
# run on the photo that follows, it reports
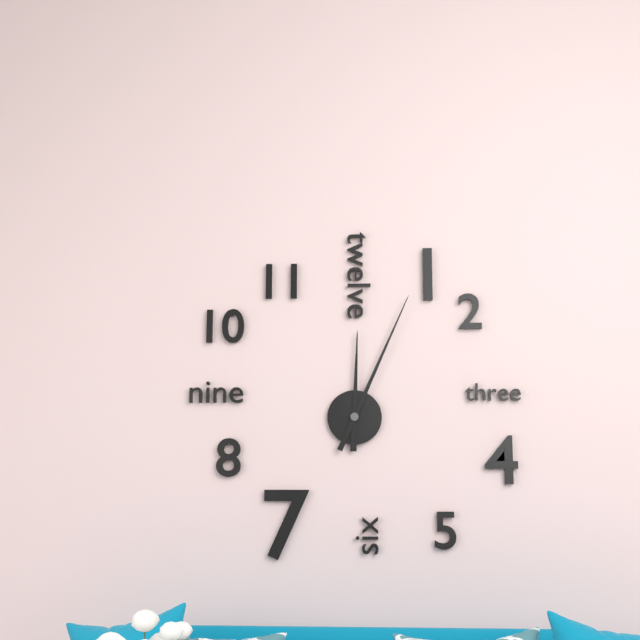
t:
12h04
